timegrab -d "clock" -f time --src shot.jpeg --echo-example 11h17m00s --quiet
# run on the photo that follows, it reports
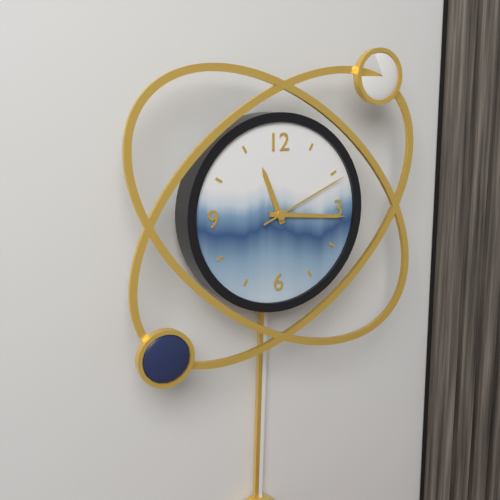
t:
11h16m11s
